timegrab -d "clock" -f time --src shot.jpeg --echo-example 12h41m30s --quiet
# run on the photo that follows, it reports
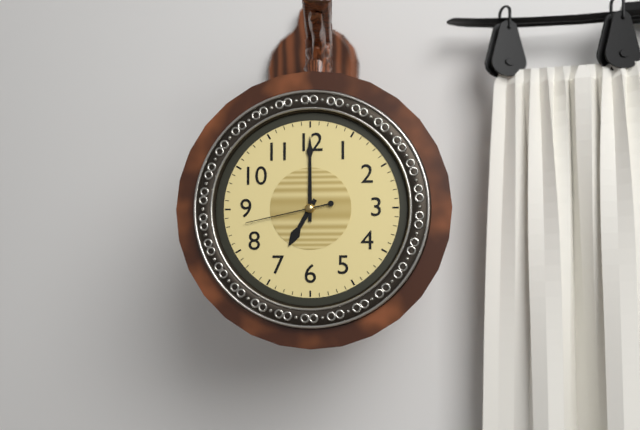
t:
7h00m43s
